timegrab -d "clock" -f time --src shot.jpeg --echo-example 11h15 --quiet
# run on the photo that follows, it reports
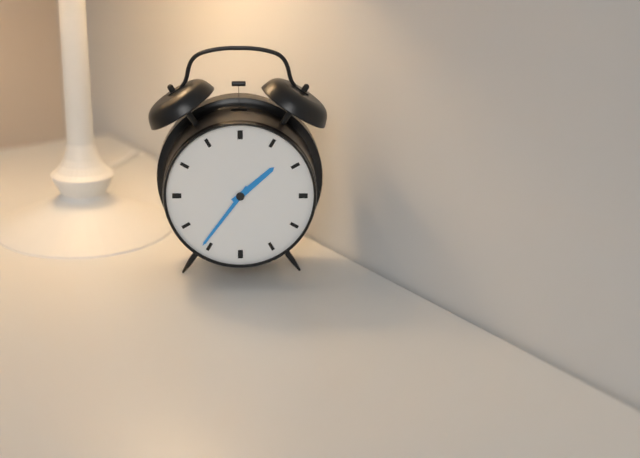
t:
1h36
